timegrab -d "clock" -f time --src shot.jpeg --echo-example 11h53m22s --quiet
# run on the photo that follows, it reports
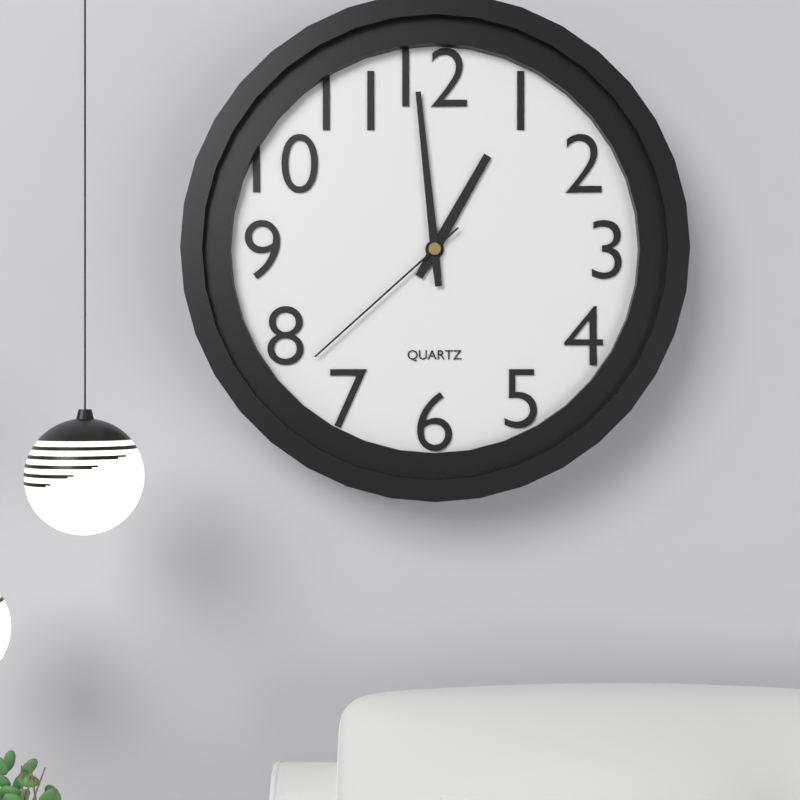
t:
12h59m38s
